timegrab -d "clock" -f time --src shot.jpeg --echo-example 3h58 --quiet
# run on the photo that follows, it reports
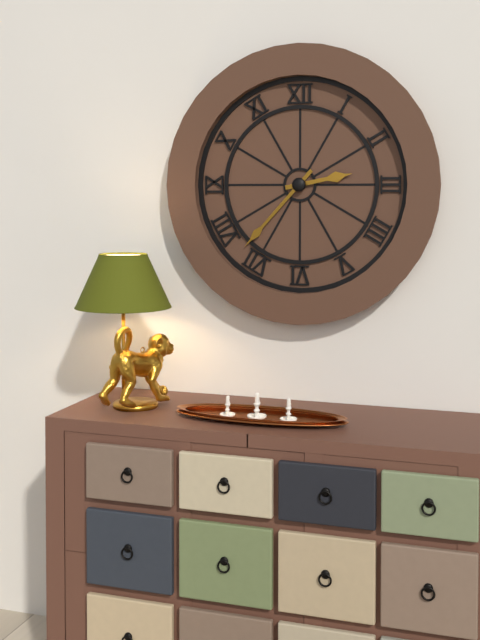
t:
2h37
